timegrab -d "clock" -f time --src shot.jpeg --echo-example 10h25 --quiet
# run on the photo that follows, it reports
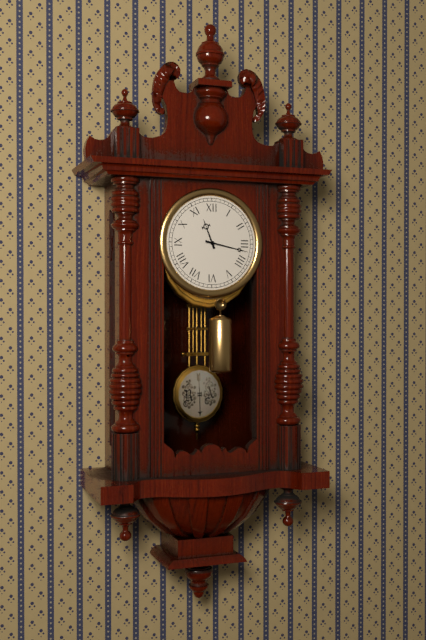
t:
11h17
